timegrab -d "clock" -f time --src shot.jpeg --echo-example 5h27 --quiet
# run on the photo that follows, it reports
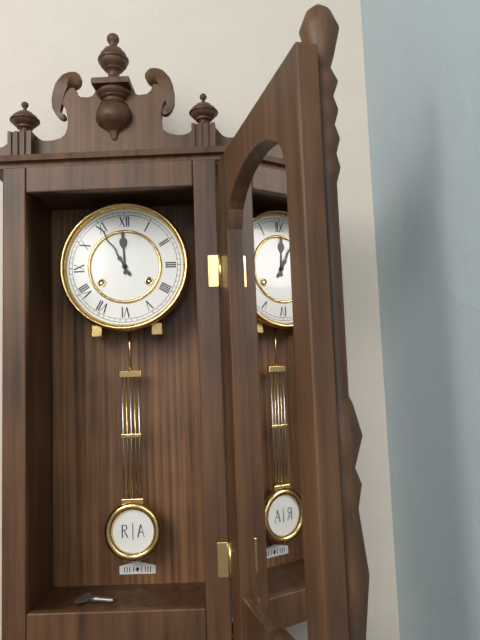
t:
11h55
